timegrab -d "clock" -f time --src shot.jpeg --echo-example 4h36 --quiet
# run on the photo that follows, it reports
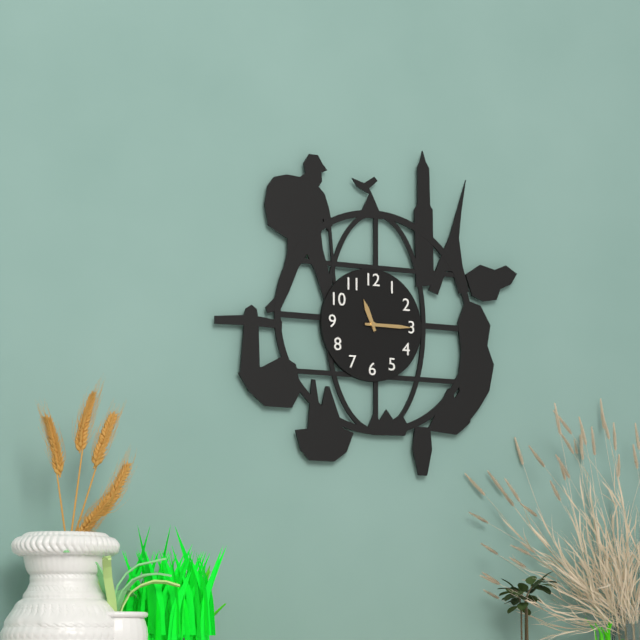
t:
11h15
